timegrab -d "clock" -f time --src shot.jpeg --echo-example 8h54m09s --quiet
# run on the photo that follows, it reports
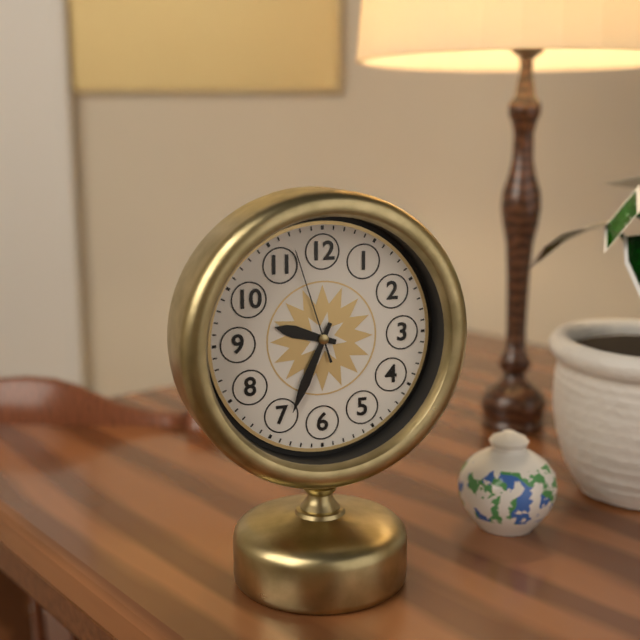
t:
9h34m57s
